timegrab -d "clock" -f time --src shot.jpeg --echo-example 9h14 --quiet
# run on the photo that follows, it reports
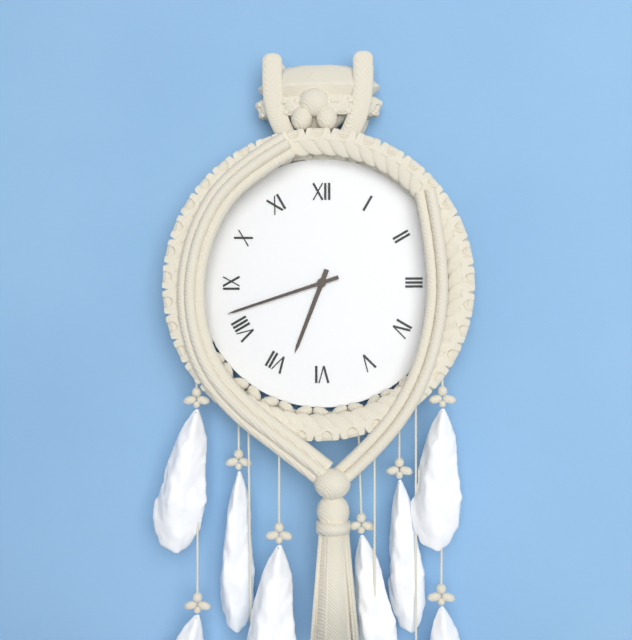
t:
6h42
